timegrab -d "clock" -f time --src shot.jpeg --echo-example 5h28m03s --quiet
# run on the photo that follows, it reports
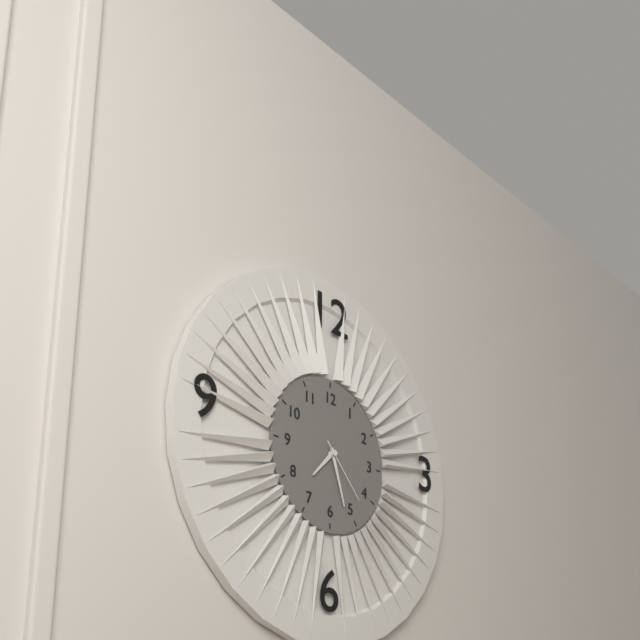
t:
7h27m23s
